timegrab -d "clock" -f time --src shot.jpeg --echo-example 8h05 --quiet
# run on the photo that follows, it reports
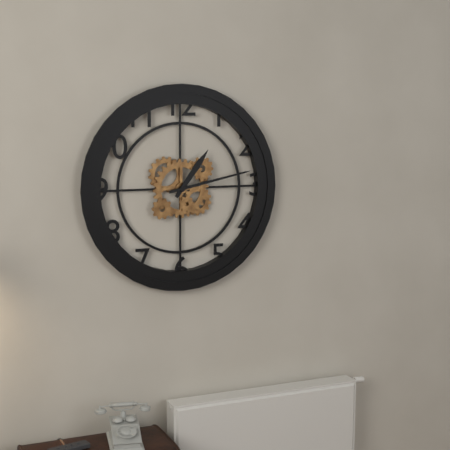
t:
1h13
